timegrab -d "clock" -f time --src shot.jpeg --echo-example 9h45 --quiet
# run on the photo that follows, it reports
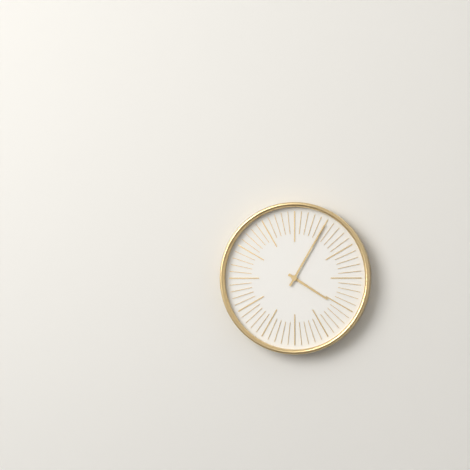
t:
4h05
